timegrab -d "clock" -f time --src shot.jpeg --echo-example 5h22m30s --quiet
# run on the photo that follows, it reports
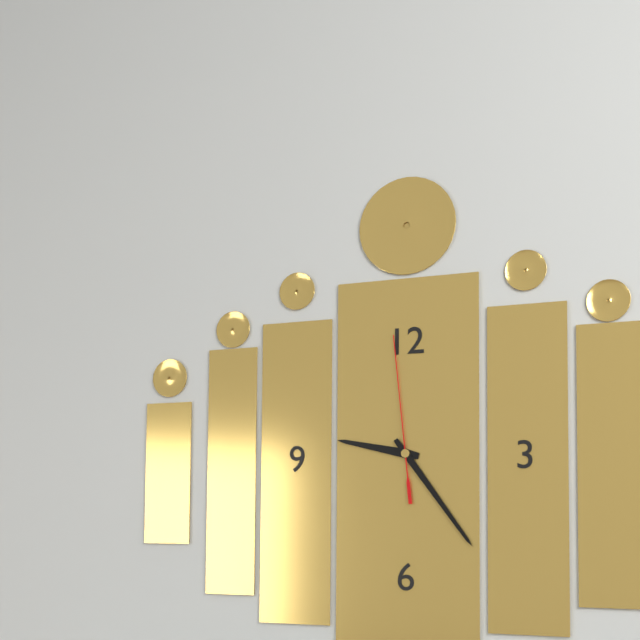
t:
9h24m59s
